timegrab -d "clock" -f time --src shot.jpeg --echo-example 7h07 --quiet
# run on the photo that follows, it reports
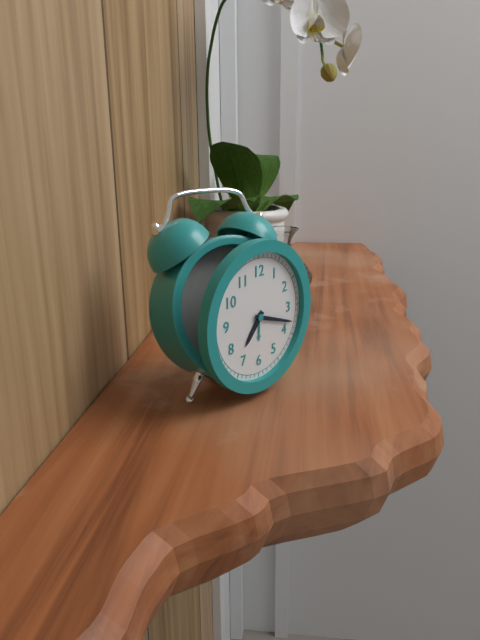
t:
7h18
